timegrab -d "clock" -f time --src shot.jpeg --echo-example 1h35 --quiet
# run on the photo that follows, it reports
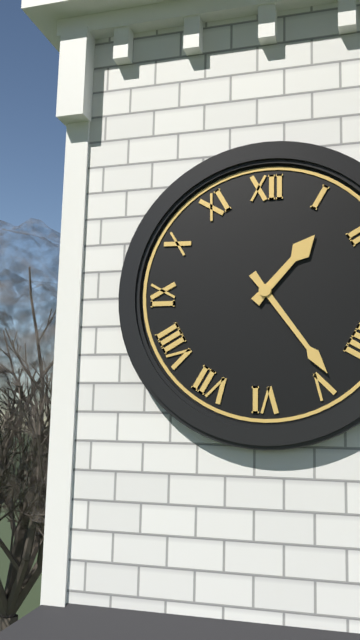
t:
1h24
